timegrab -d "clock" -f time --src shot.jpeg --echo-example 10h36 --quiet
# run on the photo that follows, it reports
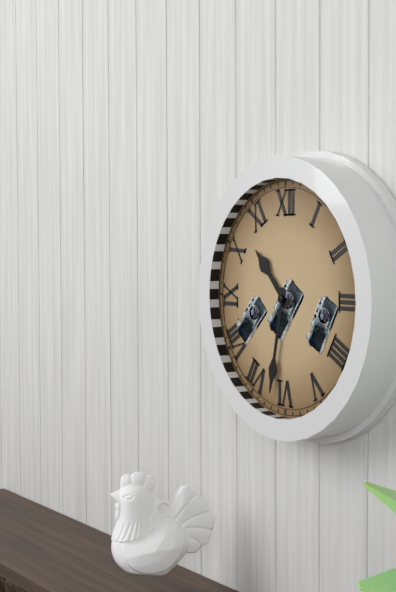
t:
10h32
